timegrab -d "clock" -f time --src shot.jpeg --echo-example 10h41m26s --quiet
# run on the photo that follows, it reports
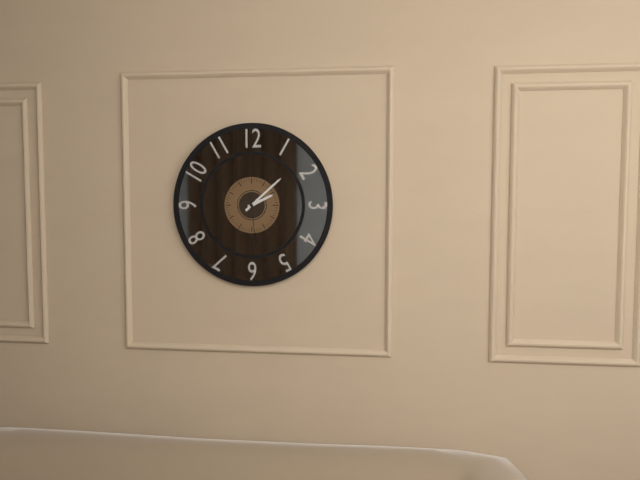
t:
2h08m29s
